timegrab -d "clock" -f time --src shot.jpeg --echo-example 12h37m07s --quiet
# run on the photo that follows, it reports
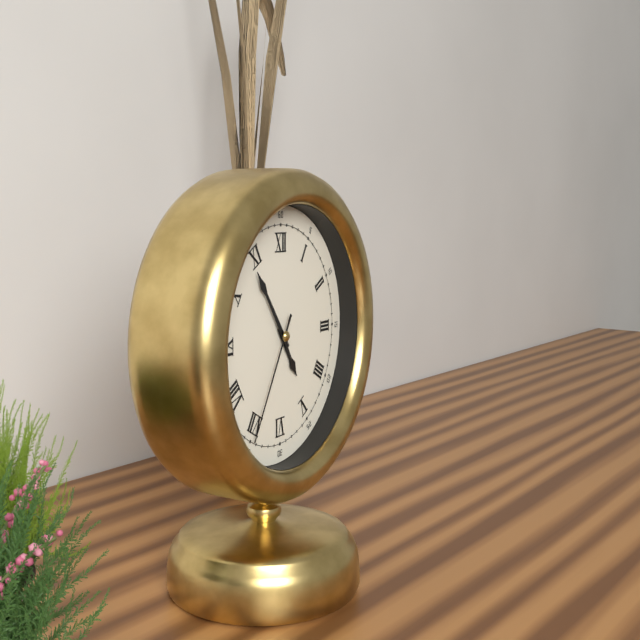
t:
4h54m35s
